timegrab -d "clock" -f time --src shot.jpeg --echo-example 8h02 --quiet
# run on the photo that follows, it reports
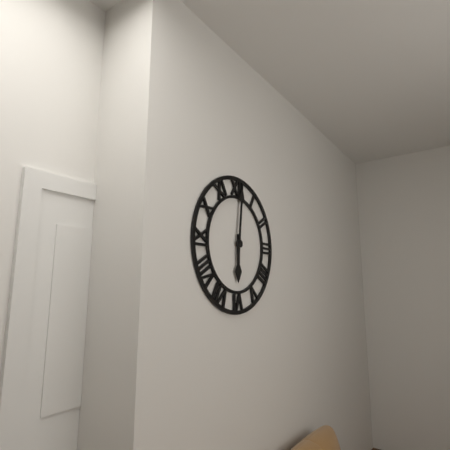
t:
6h01
